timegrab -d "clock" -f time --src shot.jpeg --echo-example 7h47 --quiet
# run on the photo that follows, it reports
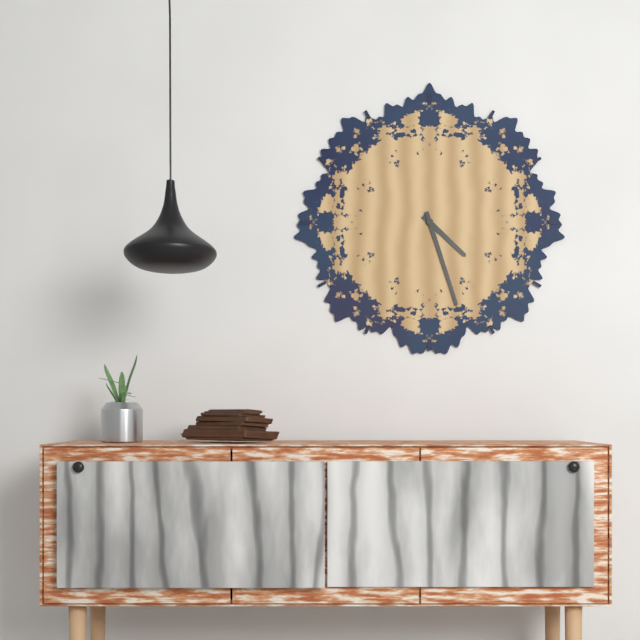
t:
4h27
